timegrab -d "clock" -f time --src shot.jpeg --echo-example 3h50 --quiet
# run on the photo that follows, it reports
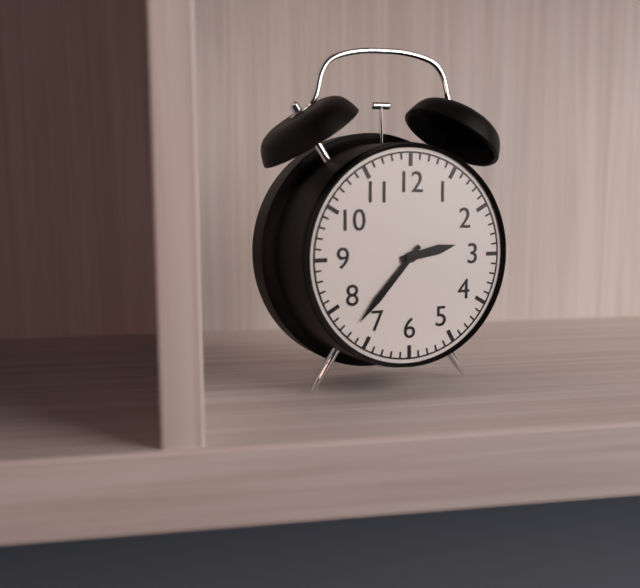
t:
2h37
